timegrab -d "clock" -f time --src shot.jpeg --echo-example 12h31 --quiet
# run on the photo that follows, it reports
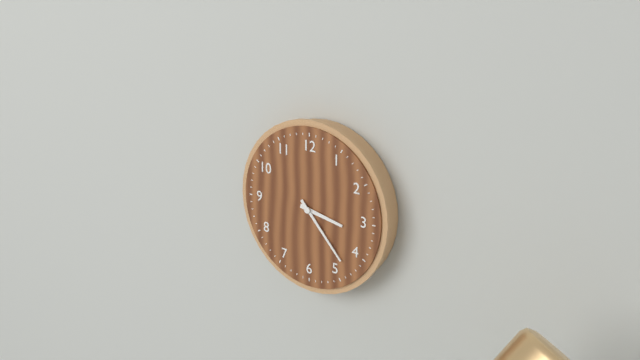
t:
3h23
